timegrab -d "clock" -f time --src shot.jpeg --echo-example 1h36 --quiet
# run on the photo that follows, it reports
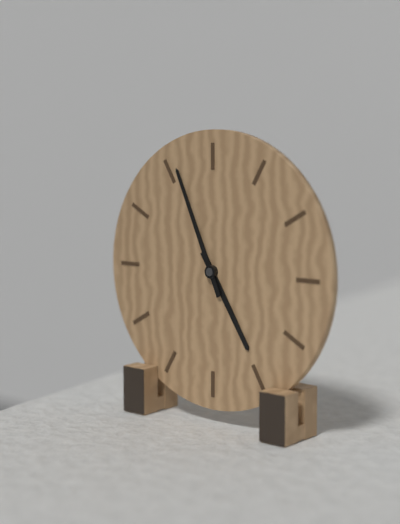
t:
4h56
